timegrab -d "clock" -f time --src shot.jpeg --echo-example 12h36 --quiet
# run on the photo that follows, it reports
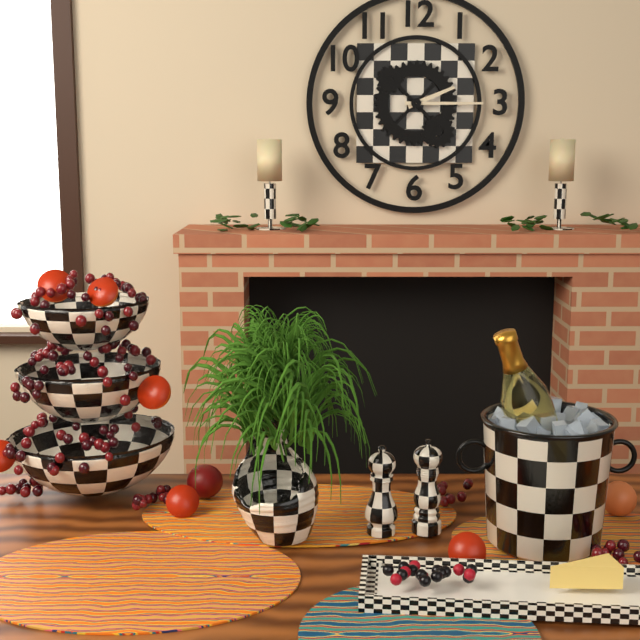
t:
2h15
